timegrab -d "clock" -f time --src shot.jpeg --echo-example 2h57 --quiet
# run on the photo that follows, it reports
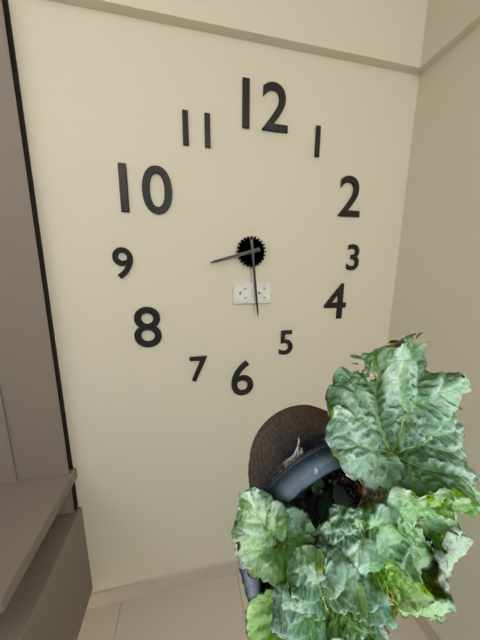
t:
8h29
